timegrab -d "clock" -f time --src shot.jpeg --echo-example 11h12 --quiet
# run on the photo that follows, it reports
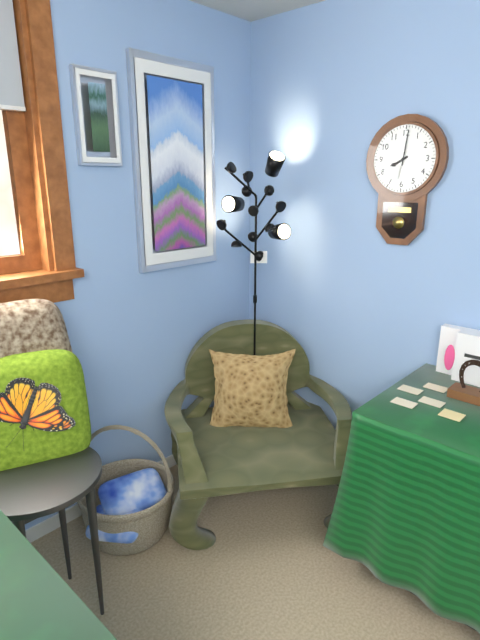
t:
8h01
